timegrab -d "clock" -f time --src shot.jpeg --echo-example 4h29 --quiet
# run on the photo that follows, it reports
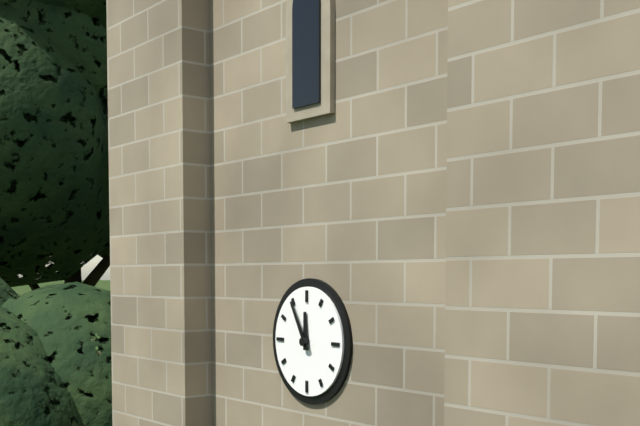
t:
11h55
